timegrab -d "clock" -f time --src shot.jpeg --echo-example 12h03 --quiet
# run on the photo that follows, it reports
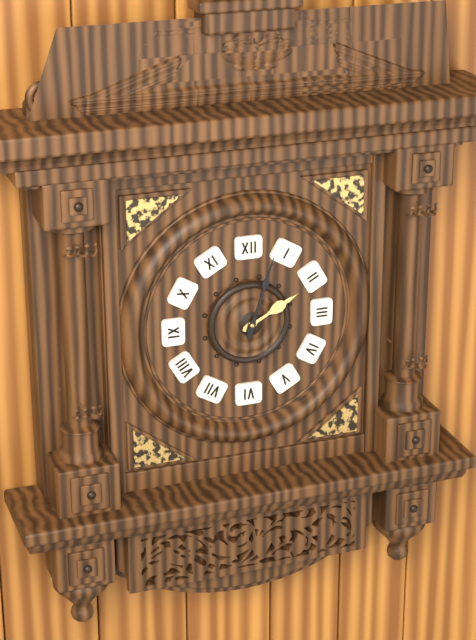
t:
2h03
